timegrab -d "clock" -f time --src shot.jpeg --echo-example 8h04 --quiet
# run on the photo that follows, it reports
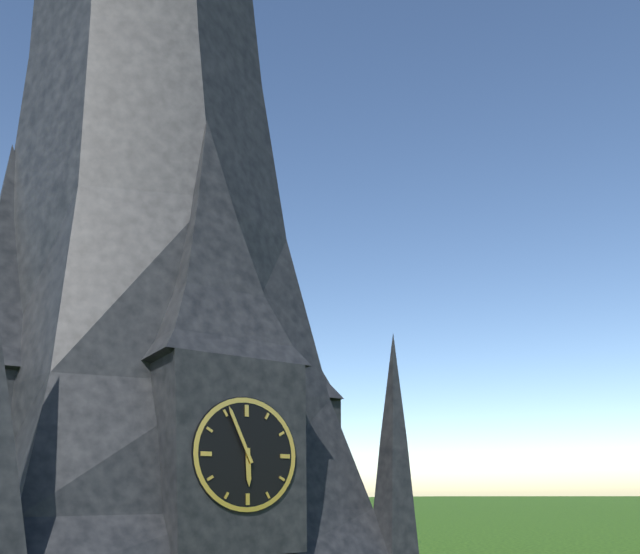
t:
5h56
